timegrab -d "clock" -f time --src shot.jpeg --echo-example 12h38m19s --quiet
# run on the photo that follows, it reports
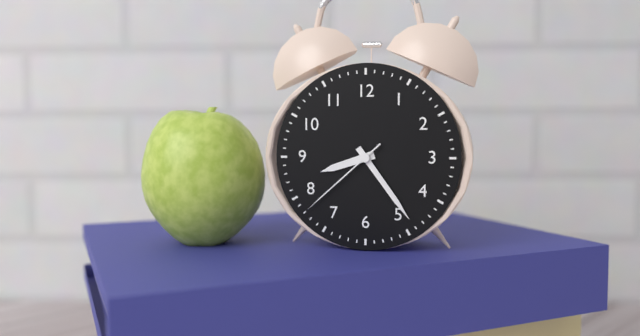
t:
8h24m38s
